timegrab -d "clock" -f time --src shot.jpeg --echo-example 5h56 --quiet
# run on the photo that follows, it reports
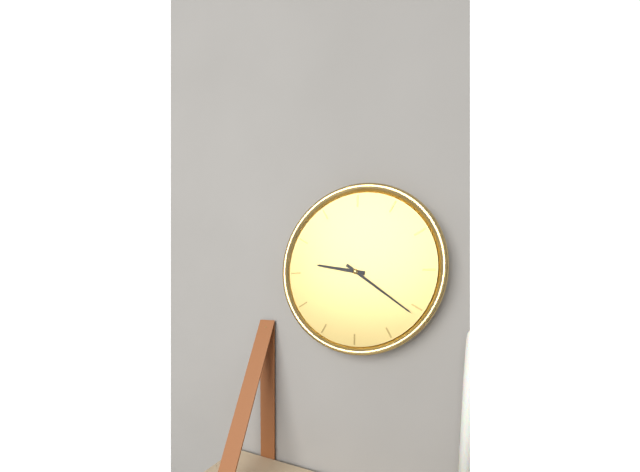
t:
9h21
